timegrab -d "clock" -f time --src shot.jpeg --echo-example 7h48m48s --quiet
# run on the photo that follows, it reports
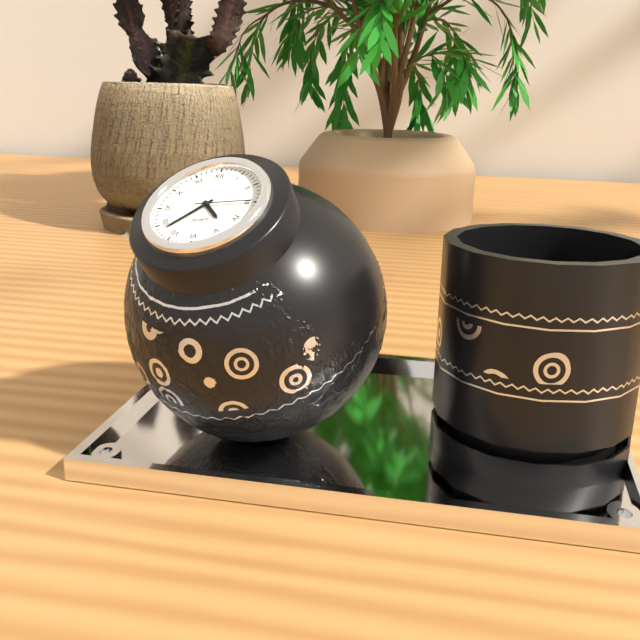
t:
4h38m15s
